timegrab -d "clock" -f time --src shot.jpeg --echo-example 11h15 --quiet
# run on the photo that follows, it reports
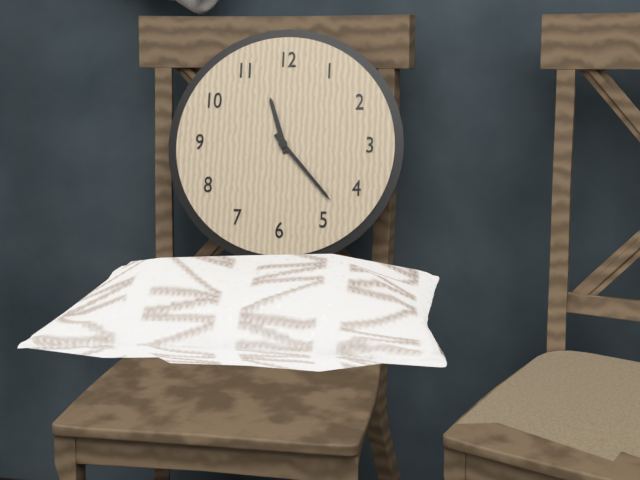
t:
11h23
